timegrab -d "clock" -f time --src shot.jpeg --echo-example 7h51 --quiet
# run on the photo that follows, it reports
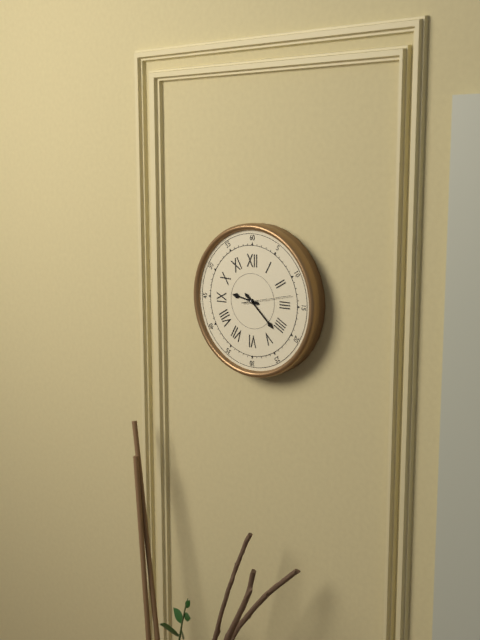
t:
9h22
